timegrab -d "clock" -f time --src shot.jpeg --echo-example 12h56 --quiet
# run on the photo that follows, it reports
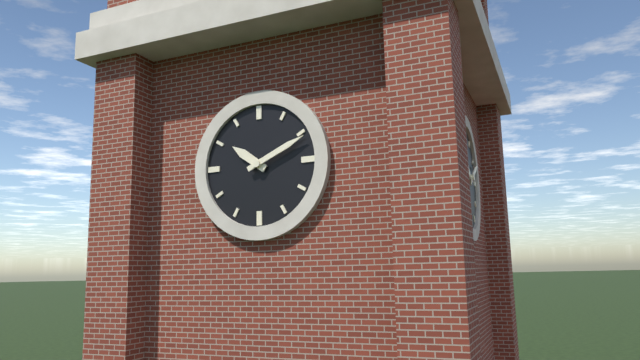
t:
10h11
